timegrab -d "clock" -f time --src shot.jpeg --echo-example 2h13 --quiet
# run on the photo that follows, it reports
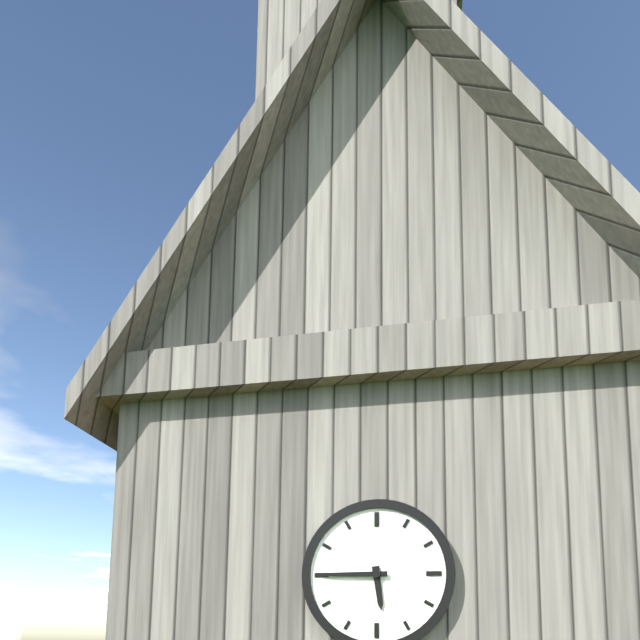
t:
5h45
